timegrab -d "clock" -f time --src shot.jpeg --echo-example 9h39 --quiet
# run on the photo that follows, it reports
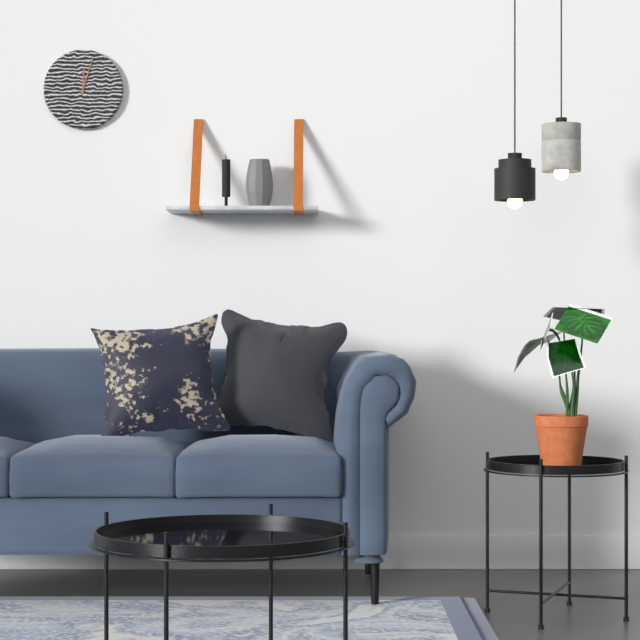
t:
12h03
